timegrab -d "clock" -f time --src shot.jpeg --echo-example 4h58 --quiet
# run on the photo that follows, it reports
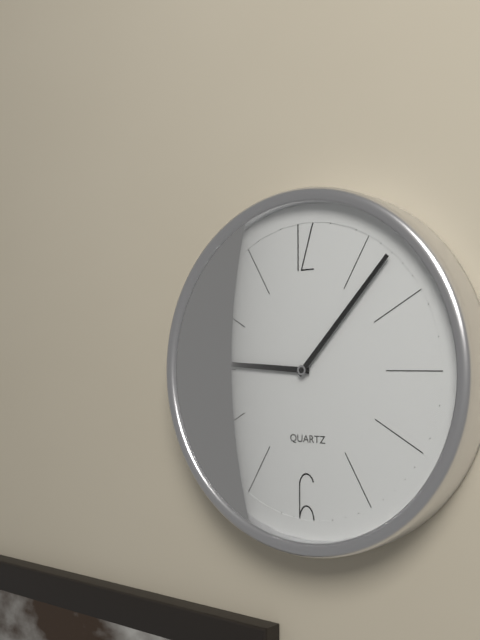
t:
9h07
